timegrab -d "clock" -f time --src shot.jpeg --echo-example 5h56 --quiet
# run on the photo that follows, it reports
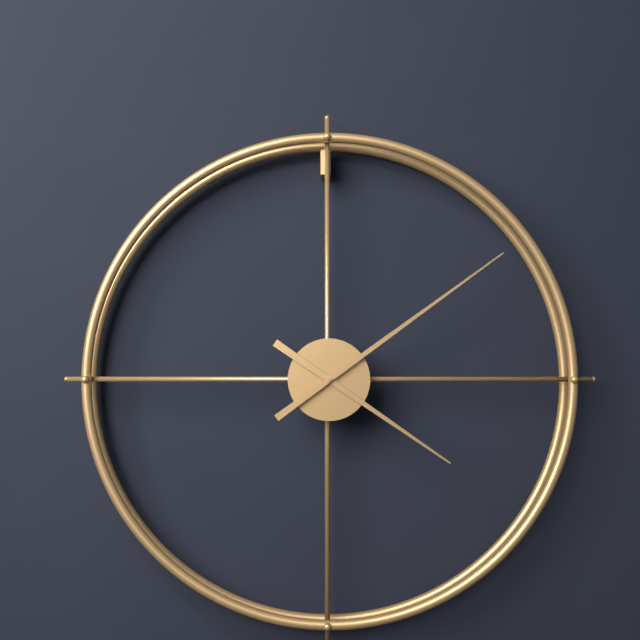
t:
4h09
